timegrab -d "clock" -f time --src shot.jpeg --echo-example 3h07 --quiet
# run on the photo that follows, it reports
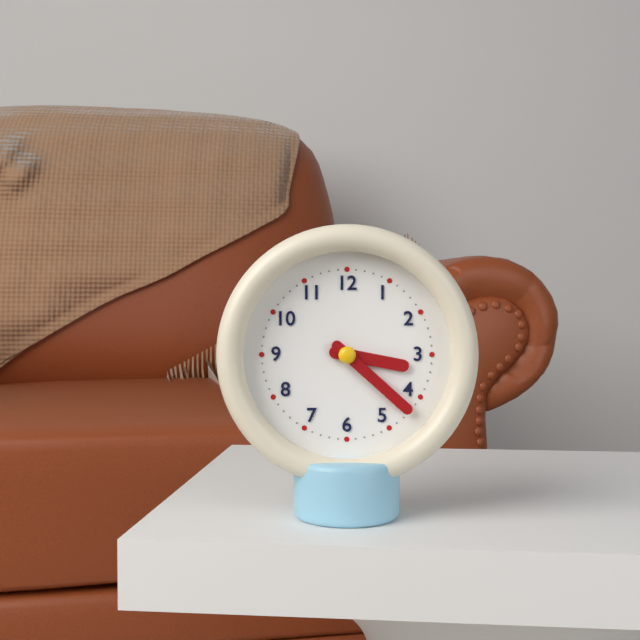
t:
3h22
